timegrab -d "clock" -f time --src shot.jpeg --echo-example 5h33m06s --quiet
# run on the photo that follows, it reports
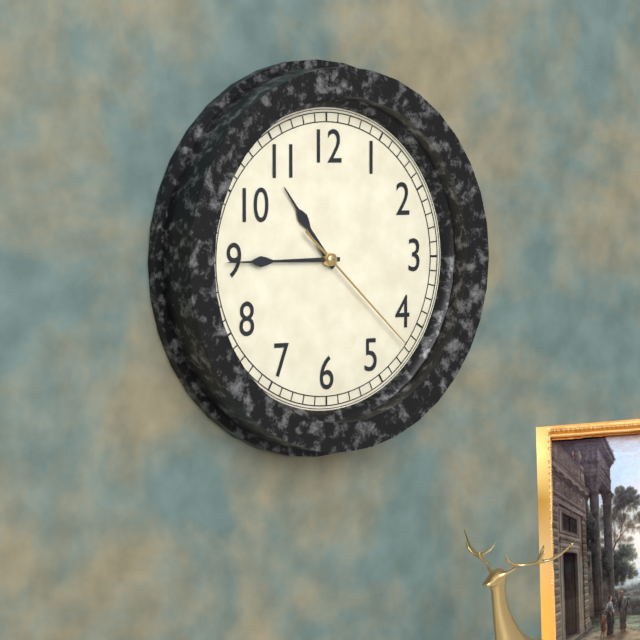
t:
10h45m22s
